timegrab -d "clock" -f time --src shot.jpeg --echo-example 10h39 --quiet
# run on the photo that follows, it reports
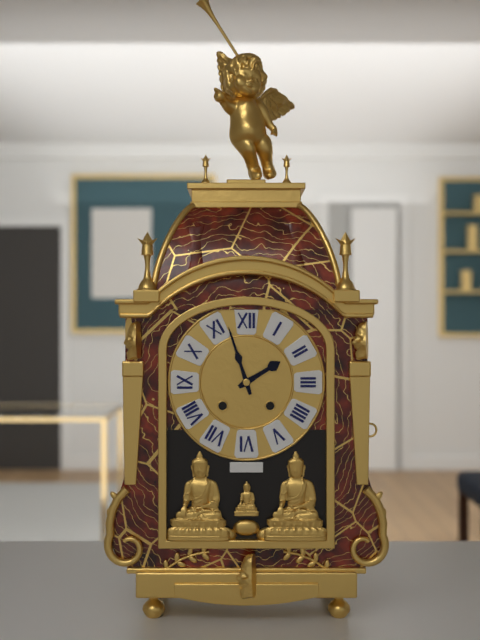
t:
1h57
